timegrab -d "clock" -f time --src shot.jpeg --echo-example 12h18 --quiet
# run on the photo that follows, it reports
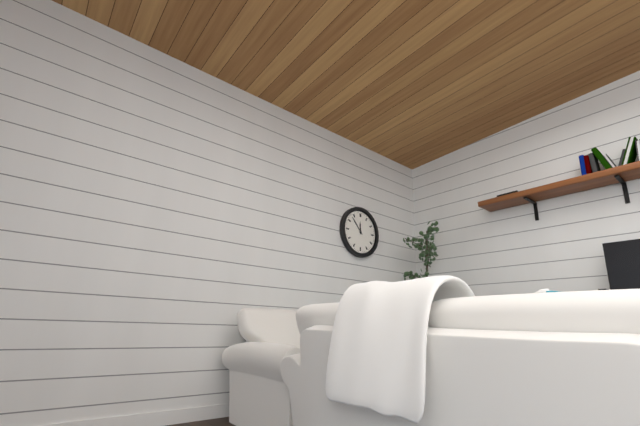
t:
11h53
